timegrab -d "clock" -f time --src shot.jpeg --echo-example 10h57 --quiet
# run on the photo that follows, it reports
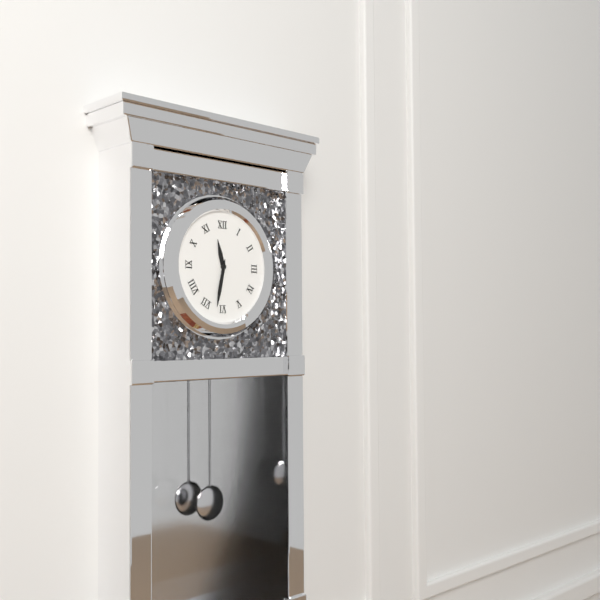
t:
11h32
